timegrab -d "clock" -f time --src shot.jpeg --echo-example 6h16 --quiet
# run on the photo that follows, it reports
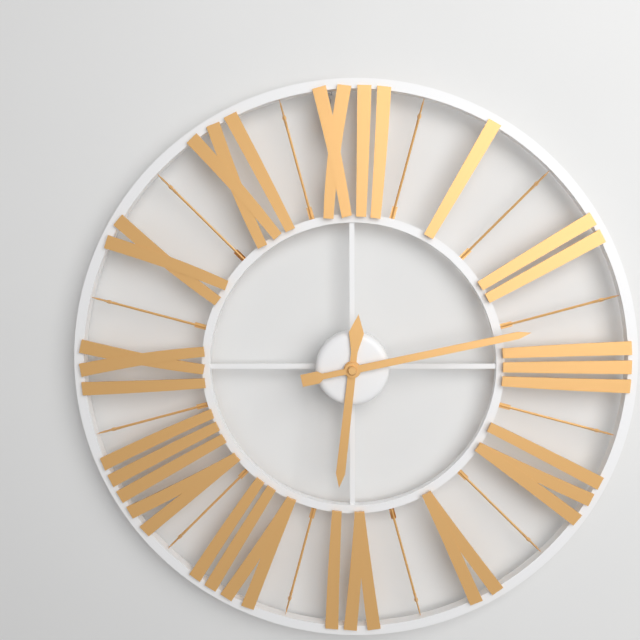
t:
6h13
